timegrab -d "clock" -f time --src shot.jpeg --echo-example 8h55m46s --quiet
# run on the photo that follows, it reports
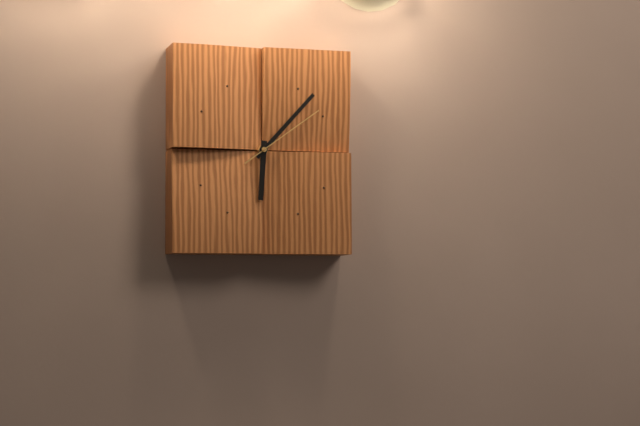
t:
6h07m09s
